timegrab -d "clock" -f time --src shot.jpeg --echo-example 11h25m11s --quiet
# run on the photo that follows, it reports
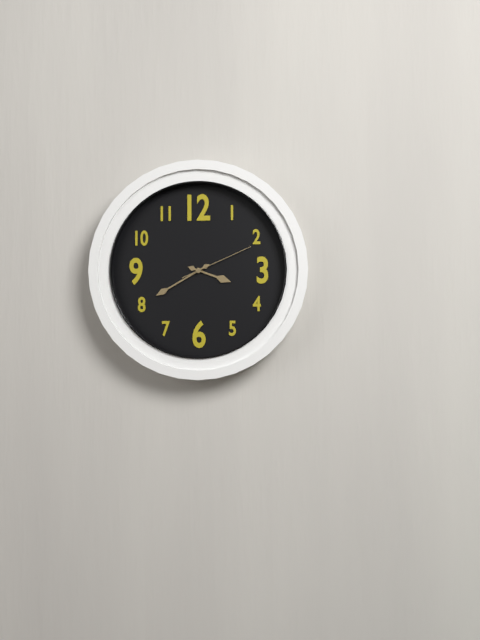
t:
3h40m11s
